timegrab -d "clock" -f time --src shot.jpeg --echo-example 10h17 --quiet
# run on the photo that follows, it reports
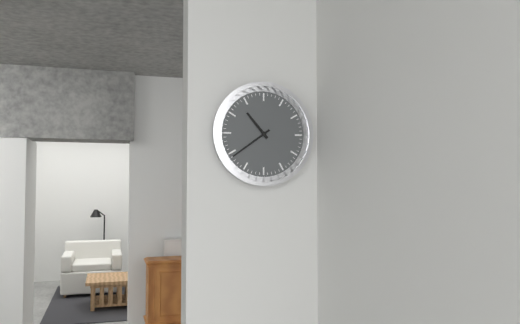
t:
10h39
